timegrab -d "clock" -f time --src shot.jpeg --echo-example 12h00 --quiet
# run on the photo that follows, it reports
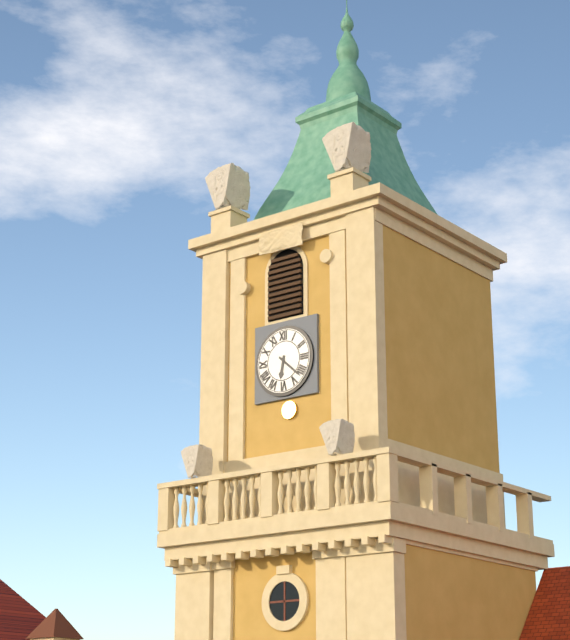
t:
6h22
